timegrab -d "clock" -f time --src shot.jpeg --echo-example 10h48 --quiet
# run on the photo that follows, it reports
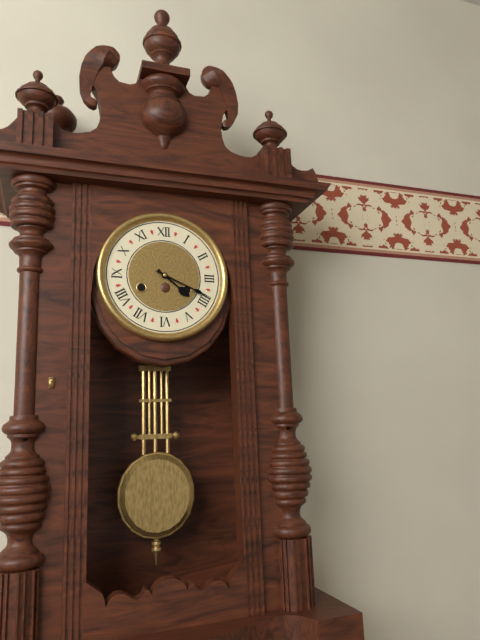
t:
4h19
